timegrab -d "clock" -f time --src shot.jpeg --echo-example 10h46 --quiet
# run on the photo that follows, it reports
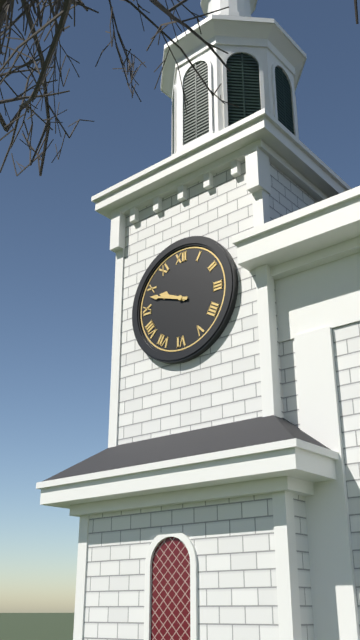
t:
9h48
